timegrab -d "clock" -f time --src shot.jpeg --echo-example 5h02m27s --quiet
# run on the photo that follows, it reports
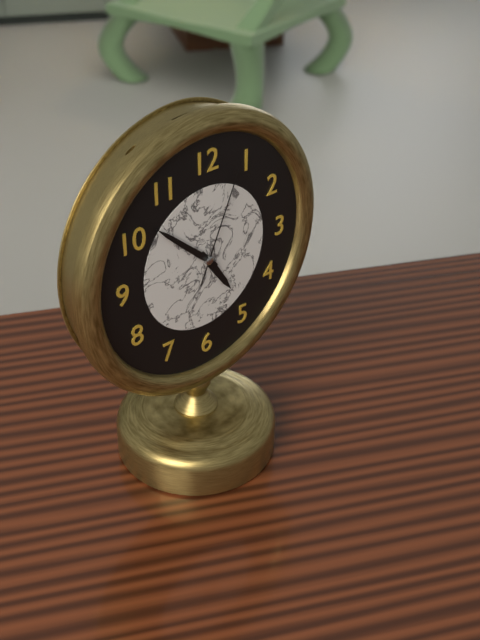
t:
4h52m04s
